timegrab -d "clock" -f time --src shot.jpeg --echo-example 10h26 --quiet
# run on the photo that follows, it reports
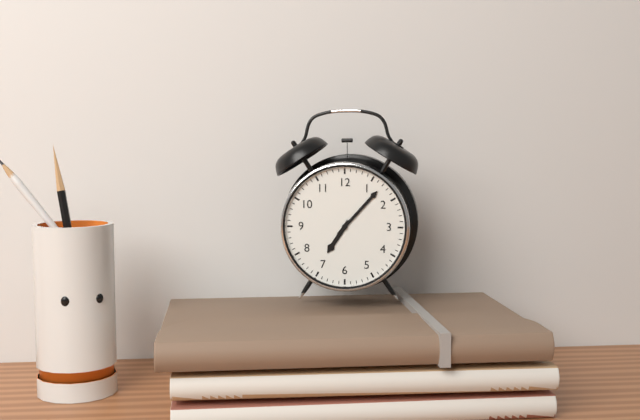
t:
7h07
